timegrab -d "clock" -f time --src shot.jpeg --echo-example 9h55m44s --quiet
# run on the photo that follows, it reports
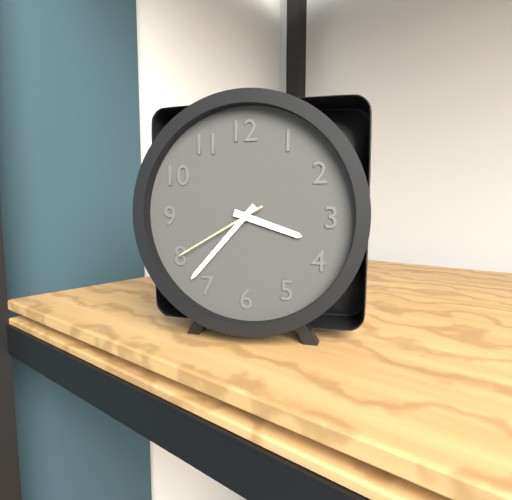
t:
3h37m40s
